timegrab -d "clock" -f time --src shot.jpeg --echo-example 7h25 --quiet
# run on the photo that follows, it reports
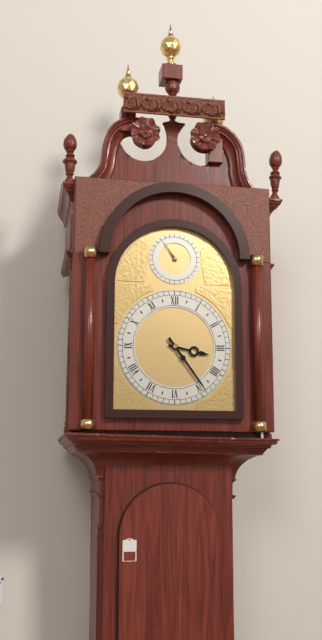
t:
3h24
